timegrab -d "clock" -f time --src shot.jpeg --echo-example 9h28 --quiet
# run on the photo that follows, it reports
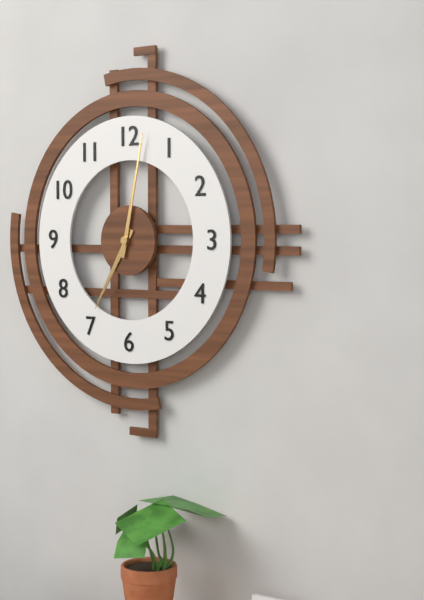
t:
7h02
